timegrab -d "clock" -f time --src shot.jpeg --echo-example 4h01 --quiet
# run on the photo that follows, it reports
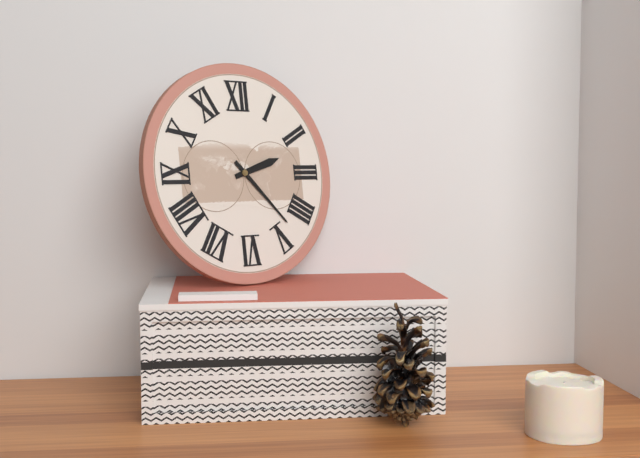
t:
2h23
